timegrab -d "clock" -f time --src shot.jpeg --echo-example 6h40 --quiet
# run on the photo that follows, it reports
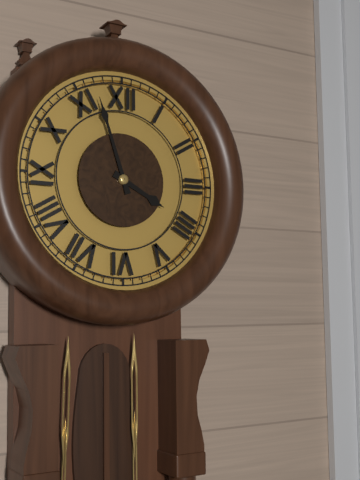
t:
3h57
